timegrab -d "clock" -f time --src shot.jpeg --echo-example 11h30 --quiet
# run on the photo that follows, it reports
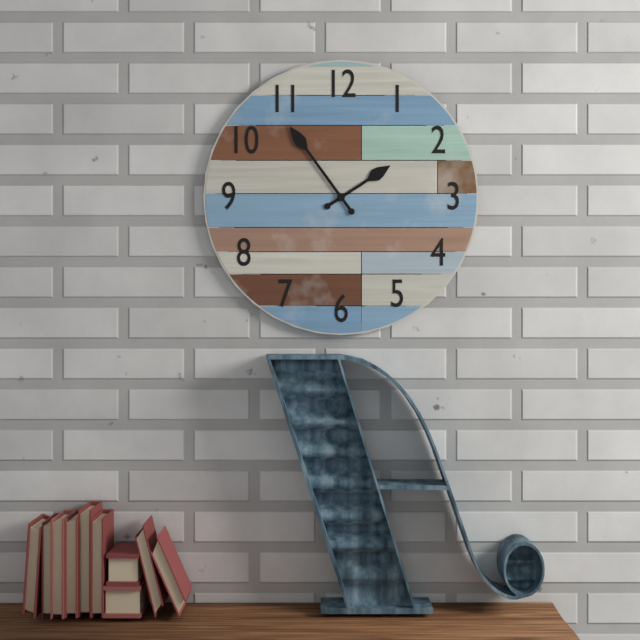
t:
1h54
